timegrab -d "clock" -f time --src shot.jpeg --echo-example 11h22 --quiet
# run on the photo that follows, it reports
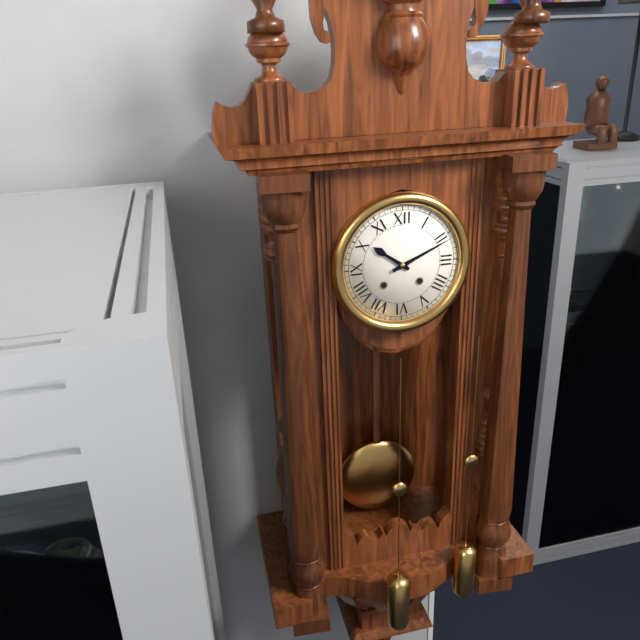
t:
10h11
